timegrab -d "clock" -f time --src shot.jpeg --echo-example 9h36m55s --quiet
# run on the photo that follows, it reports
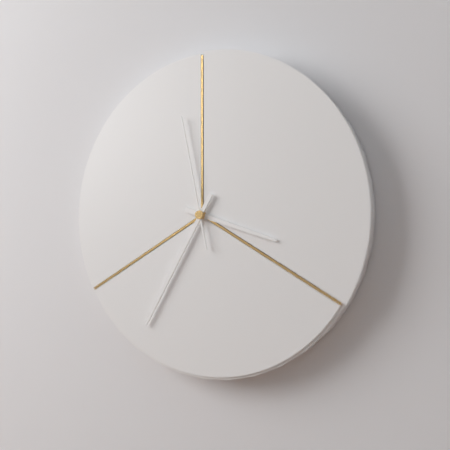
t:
3h35m58s
